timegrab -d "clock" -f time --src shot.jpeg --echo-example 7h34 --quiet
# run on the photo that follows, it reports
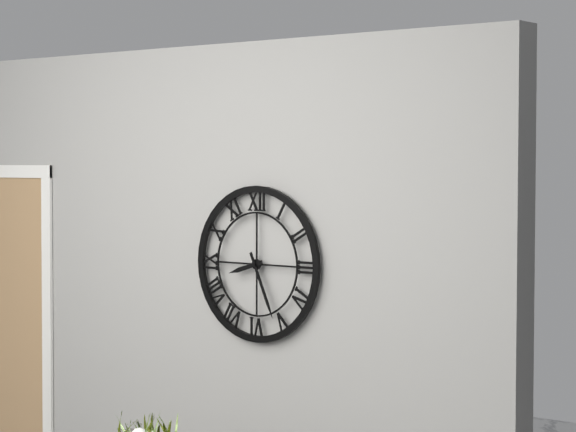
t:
8h26
